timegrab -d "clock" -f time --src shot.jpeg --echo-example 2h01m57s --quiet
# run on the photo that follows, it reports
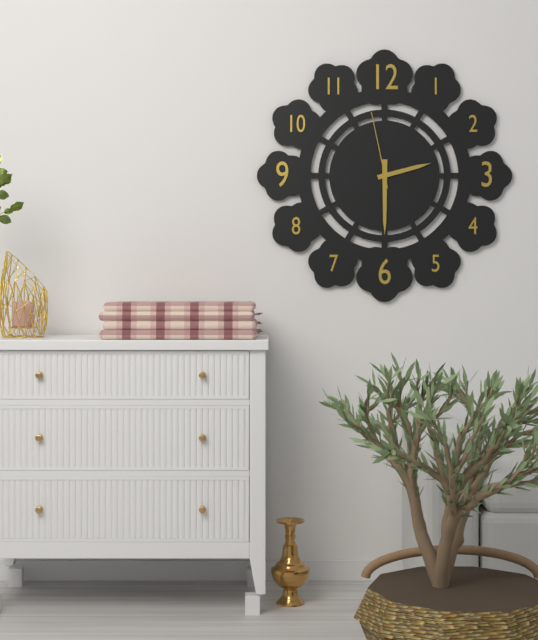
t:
2h30m58s
